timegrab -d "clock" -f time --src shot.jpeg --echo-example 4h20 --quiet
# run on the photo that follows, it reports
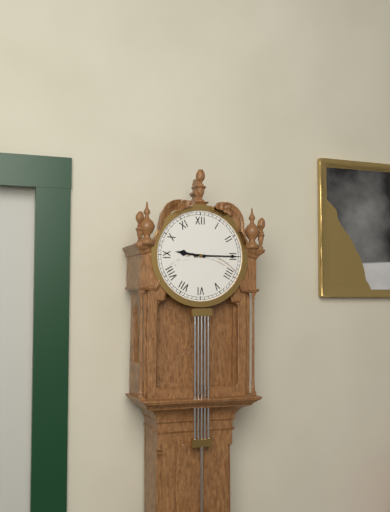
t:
9h15
